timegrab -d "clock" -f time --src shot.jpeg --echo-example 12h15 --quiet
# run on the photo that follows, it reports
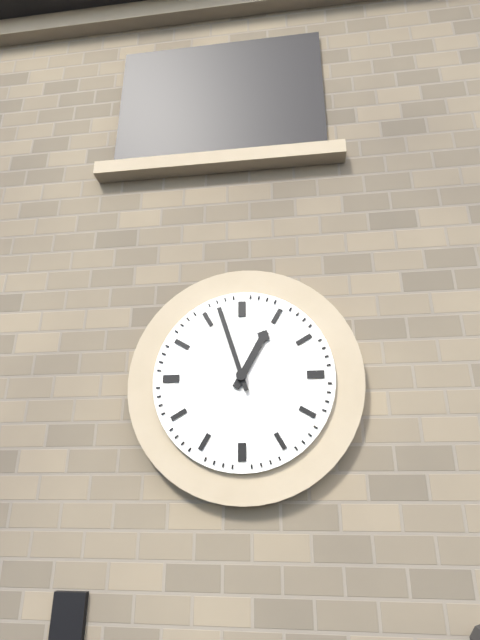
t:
12h57
